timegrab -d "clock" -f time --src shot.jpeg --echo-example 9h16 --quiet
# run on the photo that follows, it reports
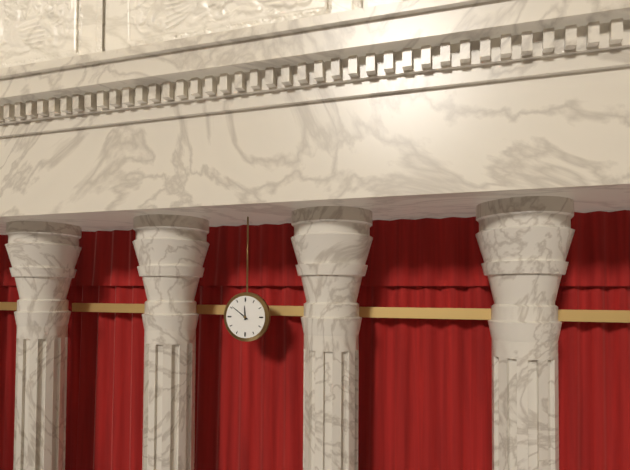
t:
11h51
